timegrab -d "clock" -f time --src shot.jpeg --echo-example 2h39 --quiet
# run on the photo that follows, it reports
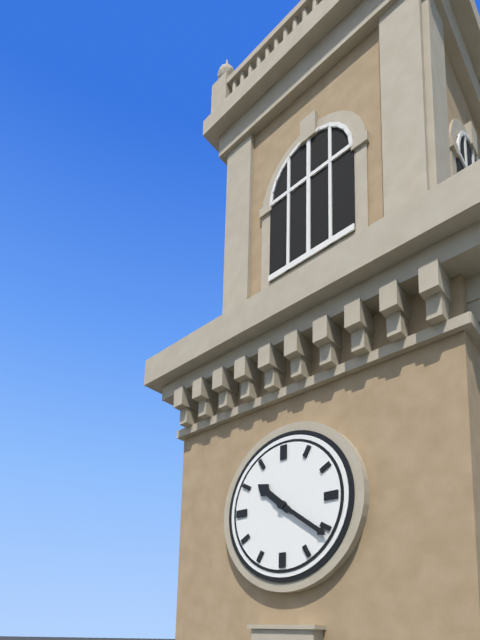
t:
10h21
